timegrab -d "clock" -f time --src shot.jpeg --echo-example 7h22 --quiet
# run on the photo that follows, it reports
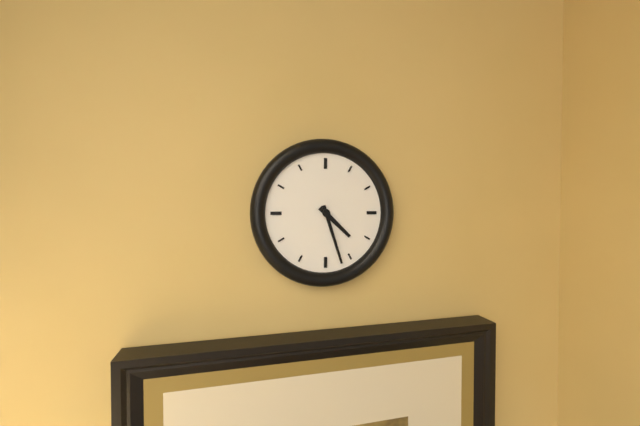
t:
4h27
